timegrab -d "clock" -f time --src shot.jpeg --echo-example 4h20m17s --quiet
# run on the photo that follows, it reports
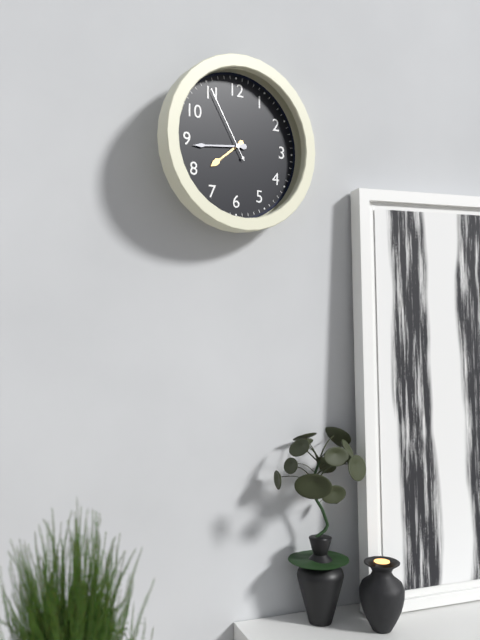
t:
7h44m55s
